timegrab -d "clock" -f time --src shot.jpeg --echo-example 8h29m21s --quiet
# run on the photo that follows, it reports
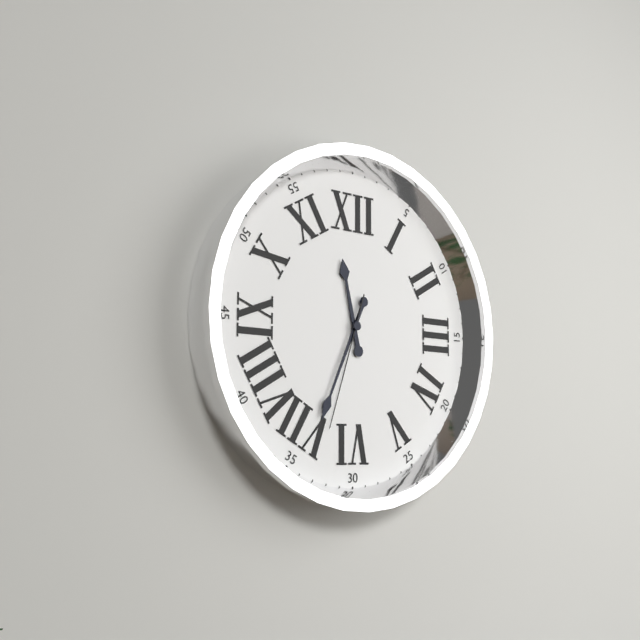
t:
11h34m33s
